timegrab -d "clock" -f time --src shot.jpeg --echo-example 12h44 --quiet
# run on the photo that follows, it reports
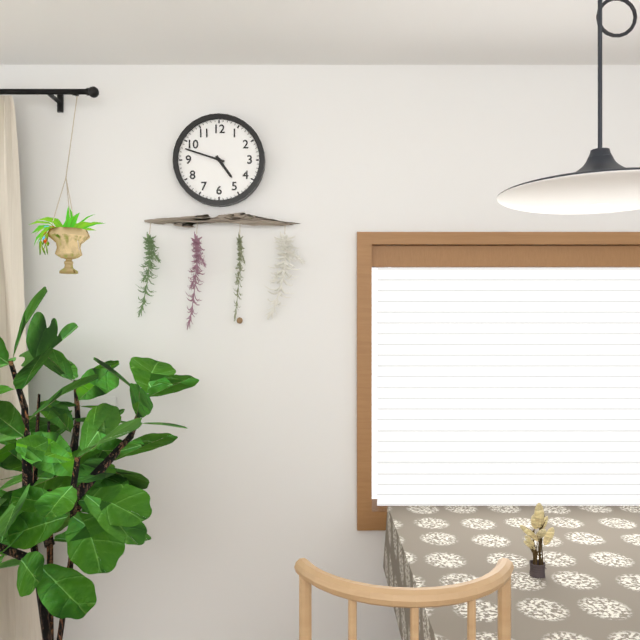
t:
4h48
